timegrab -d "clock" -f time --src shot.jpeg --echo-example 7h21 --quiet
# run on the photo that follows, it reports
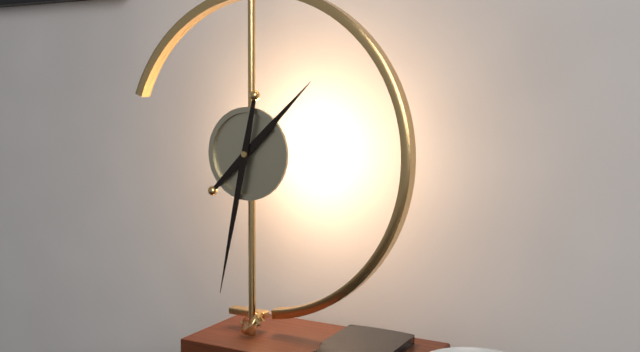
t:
1h32
